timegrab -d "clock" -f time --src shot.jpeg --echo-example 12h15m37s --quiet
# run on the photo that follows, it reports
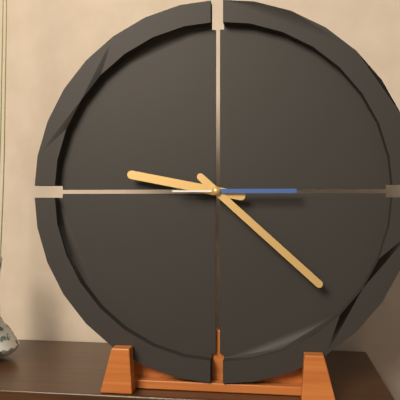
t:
9h22m15s
